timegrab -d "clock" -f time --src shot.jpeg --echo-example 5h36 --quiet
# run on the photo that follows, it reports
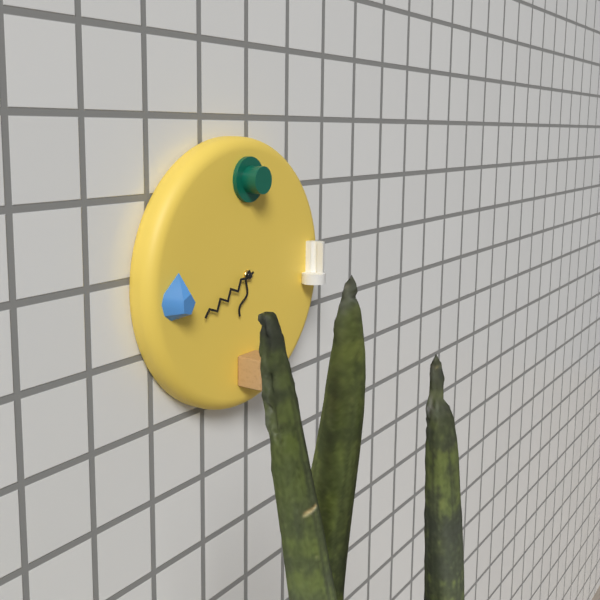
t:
6h41
